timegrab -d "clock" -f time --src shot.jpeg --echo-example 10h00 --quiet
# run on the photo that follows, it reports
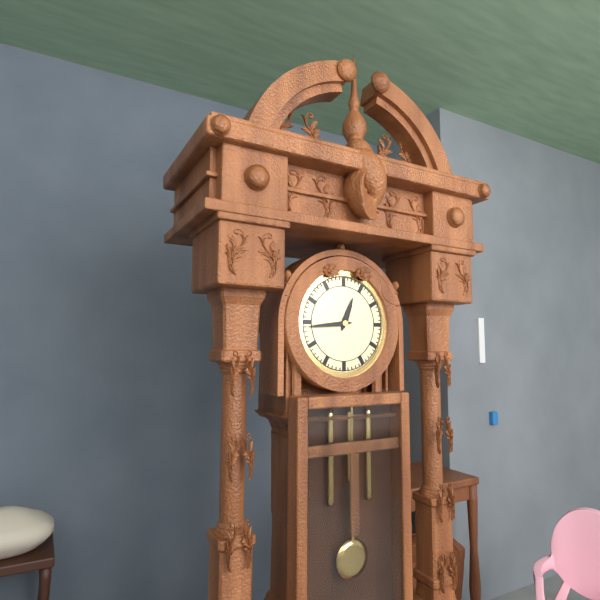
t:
12h44
